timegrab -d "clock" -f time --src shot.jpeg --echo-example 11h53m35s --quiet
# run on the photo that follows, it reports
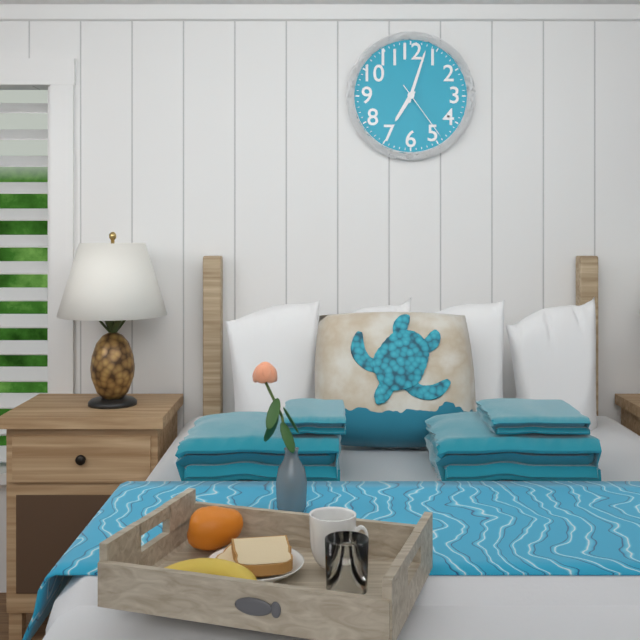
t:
7h03m24s
